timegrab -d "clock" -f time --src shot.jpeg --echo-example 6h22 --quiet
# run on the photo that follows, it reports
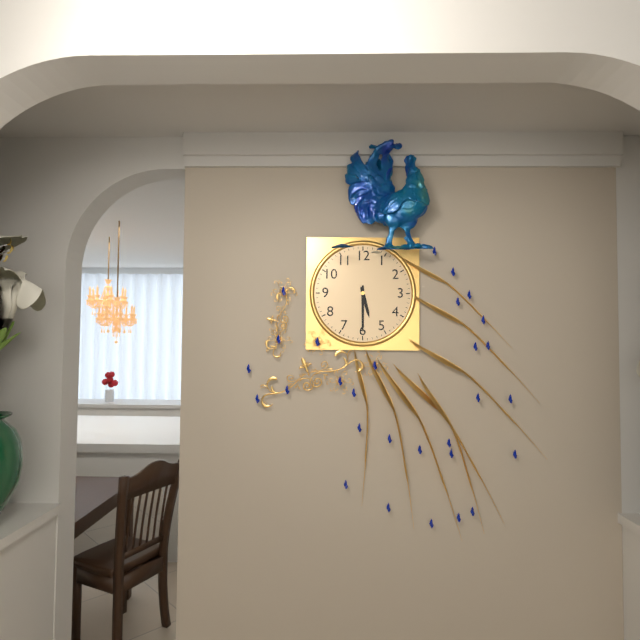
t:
5h30
